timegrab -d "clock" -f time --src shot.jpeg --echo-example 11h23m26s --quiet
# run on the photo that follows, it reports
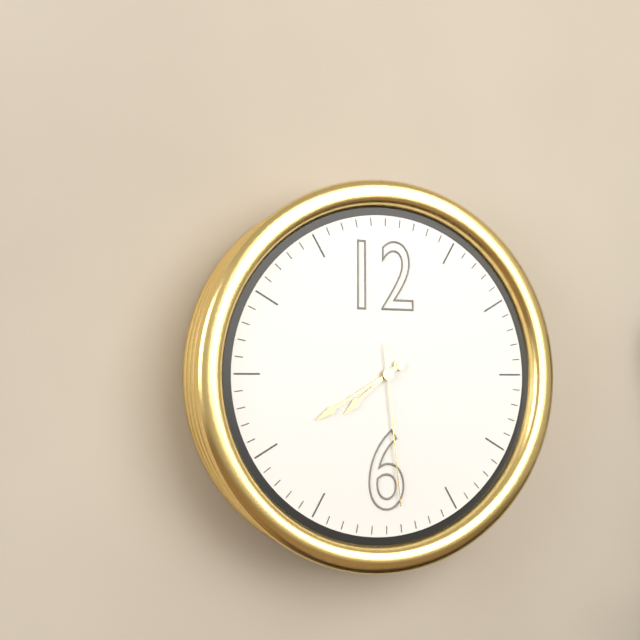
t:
7h40m29s
